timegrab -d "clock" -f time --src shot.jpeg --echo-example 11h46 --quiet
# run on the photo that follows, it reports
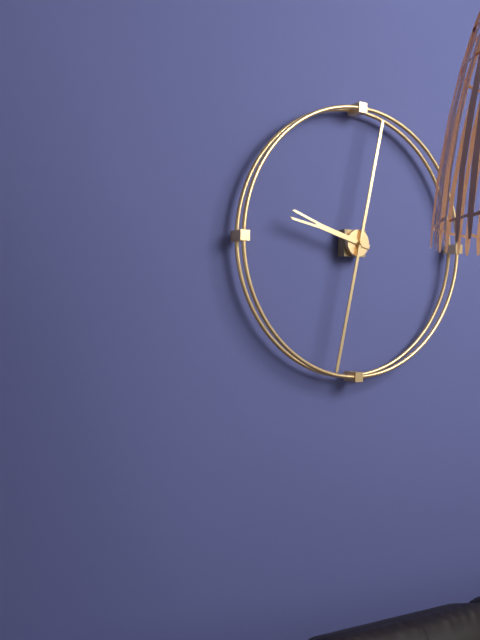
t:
9h32
